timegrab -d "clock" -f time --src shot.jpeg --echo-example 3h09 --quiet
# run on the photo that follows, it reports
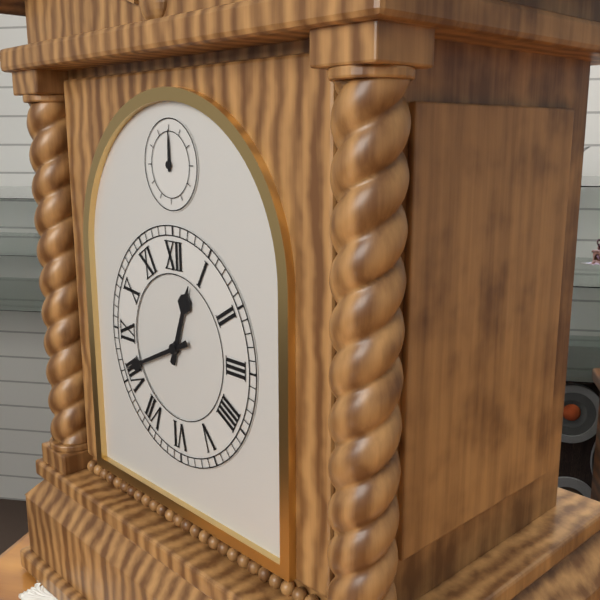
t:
12h41
